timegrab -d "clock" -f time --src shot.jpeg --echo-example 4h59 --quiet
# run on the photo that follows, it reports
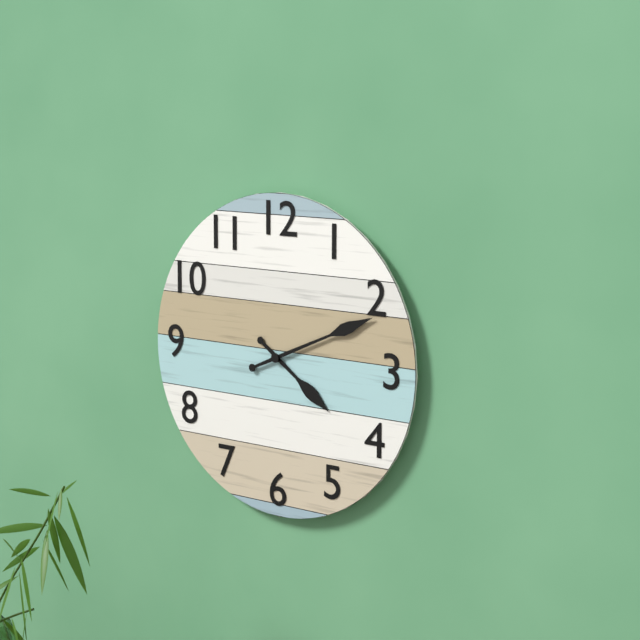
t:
4h11
